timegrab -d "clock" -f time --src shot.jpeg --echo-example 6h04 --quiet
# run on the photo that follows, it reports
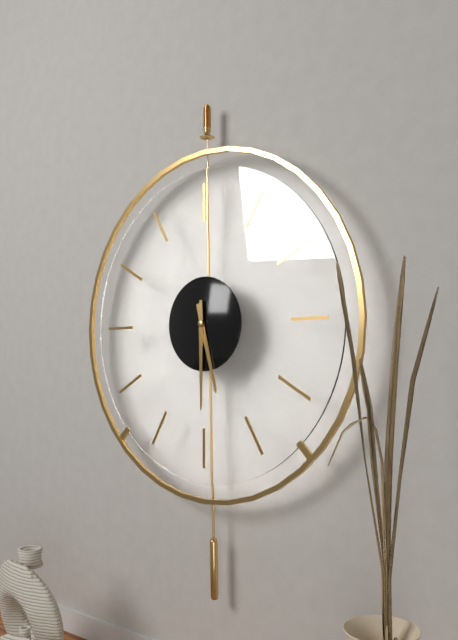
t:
5h30
